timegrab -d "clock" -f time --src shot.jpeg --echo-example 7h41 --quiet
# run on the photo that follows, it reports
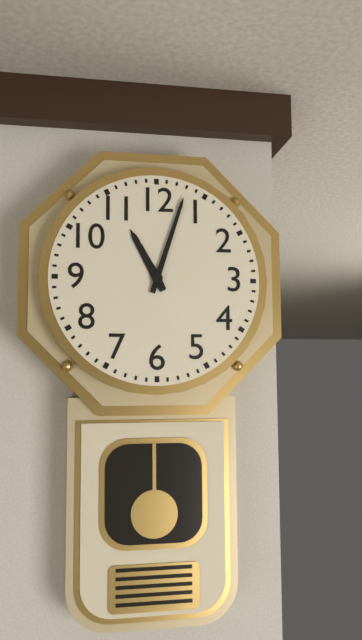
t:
11h03
